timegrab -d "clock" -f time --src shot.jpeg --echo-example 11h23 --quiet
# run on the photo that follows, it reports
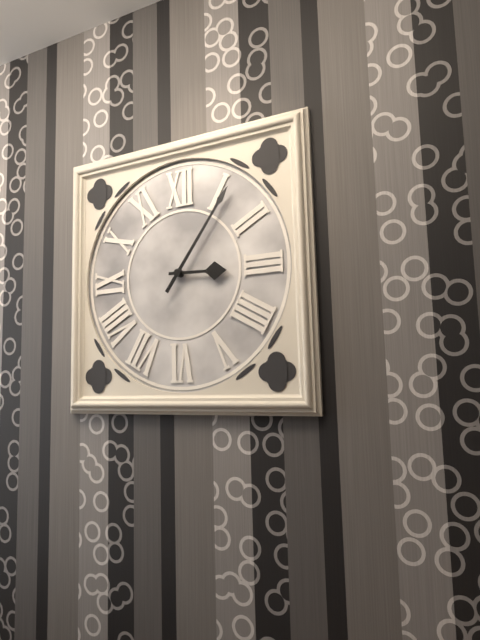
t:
3h06
